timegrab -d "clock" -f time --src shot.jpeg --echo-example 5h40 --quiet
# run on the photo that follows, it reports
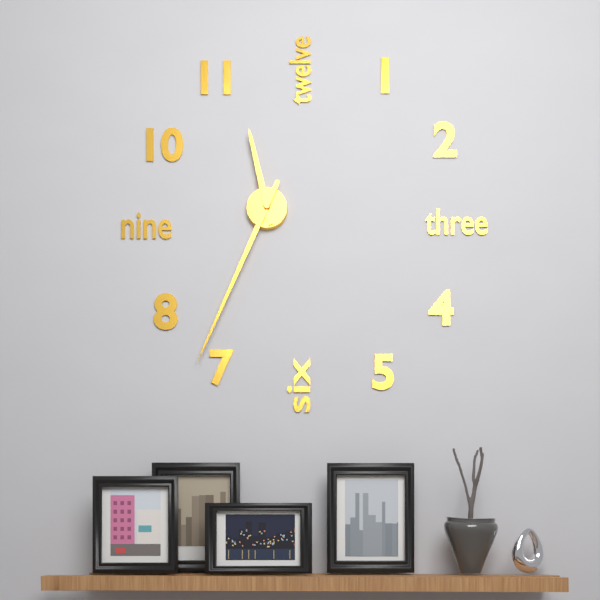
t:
11h34
